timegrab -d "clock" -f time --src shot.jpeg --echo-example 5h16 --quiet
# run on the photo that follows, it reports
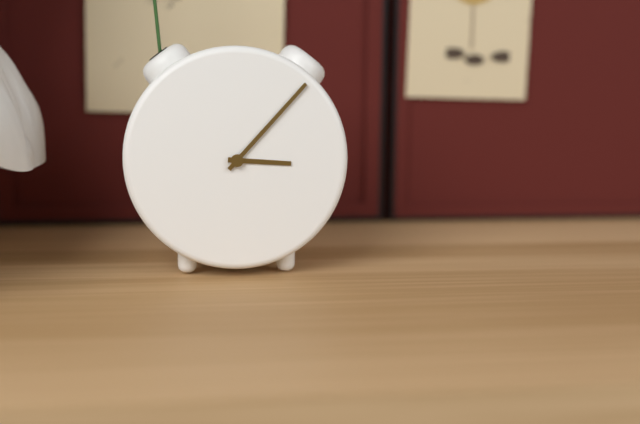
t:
3h07
